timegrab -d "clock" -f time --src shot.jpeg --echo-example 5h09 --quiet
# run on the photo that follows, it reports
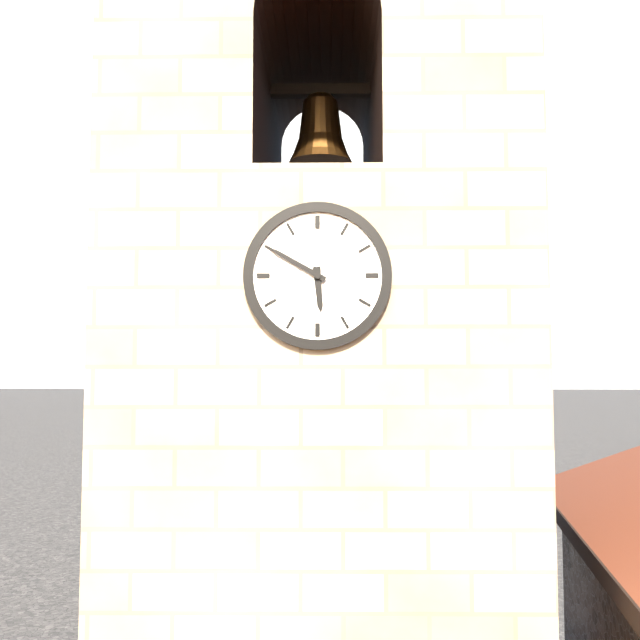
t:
5h50
